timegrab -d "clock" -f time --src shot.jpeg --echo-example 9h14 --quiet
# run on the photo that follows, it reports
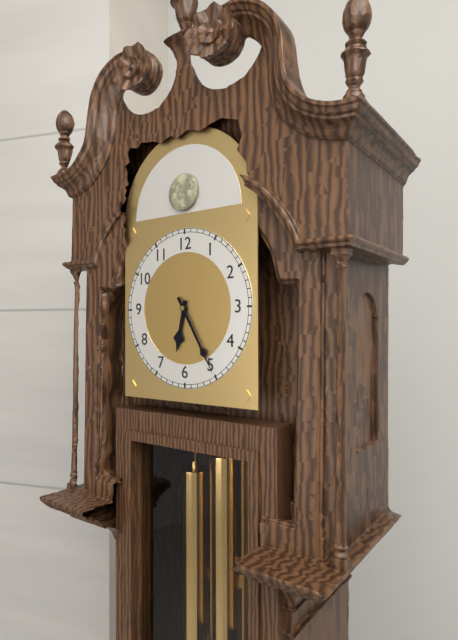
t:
6h25
